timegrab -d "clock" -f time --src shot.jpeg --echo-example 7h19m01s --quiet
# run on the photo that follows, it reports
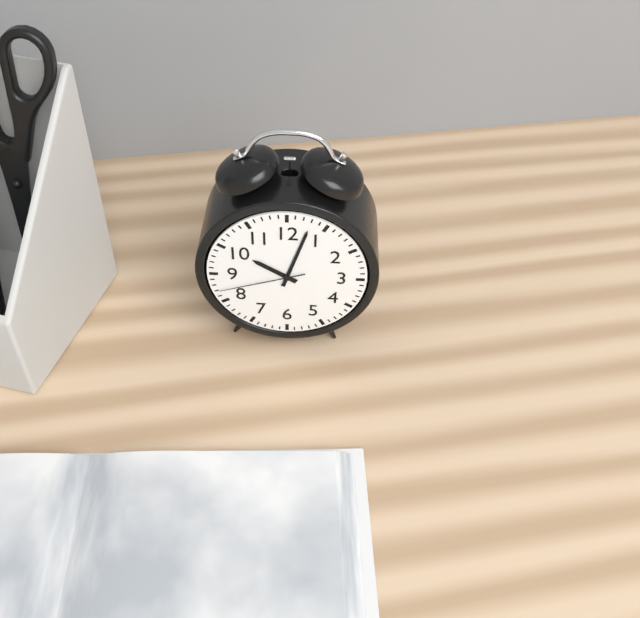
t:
10h03m42s
